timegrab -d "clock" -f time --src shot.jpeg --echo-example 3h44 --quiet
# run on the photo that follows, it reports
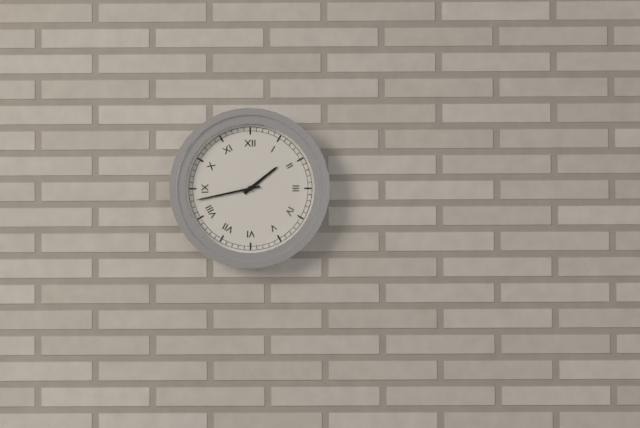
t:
1h43
